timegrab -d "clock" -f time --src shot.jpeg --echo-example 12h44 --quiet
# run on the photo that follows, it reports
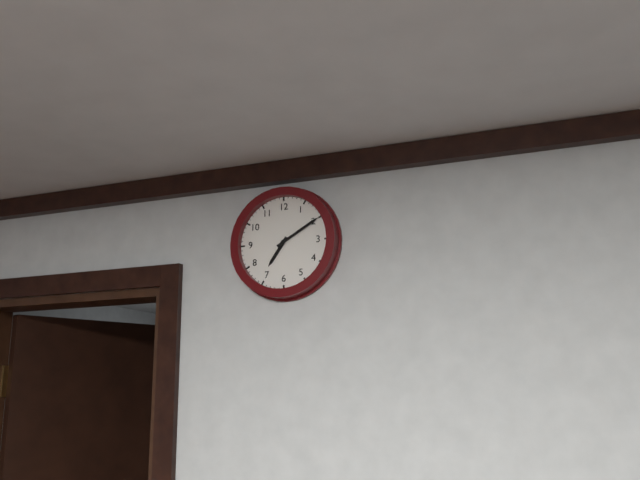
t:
7h10
